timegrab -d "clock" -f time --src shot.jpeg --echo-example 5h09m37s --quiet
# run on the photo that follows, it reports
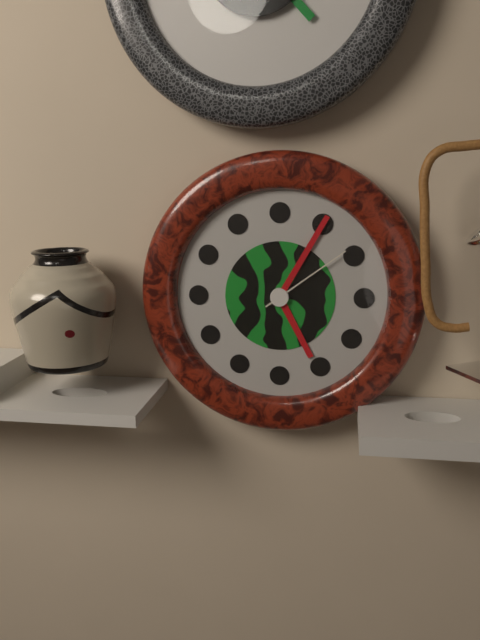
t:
5h05m09s
